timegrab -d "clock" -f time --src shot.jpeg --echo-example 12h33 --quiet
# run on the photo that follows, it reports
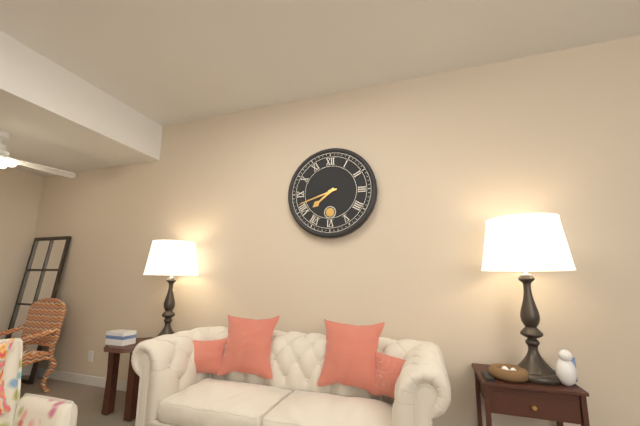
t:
7h42
